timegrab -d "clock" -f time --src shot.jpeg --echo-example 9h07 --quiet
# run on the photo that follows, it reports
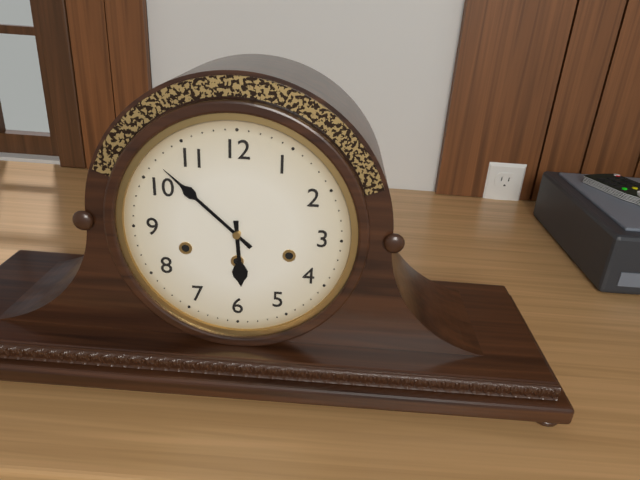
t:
5h52
